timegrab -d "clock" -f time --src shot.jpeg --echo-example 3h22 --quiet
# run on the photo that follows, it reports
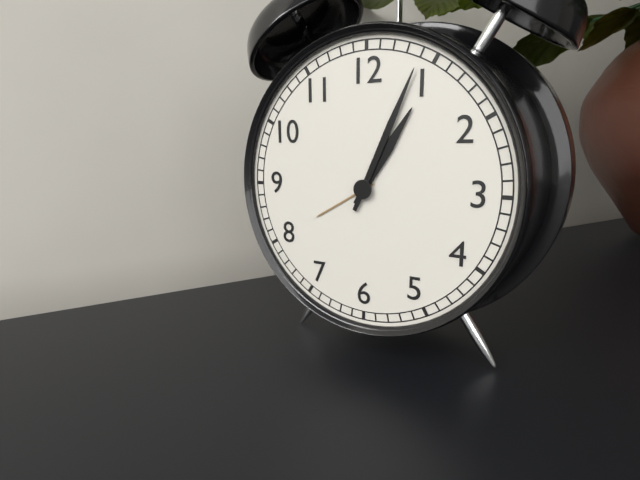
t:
1h04
